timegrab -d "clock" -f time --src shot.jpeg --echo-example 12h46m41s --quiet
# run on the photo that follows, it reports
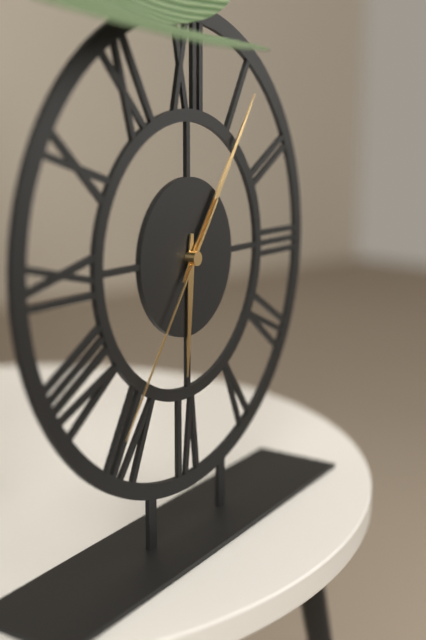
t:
6h06m36s
